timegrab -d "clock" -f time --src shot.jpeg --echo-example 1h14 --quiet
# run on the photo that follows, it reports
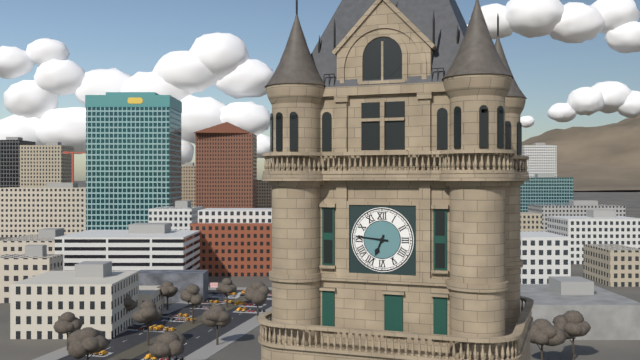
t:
6h46
